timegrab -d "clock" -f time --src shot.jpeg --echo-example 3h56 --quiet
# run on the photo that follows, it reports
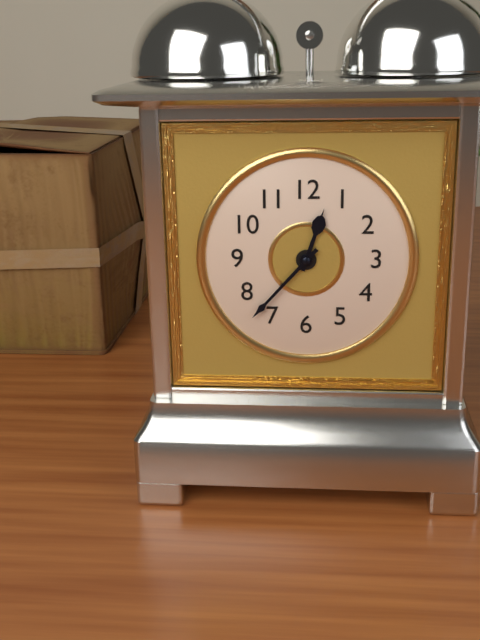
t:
12h37
